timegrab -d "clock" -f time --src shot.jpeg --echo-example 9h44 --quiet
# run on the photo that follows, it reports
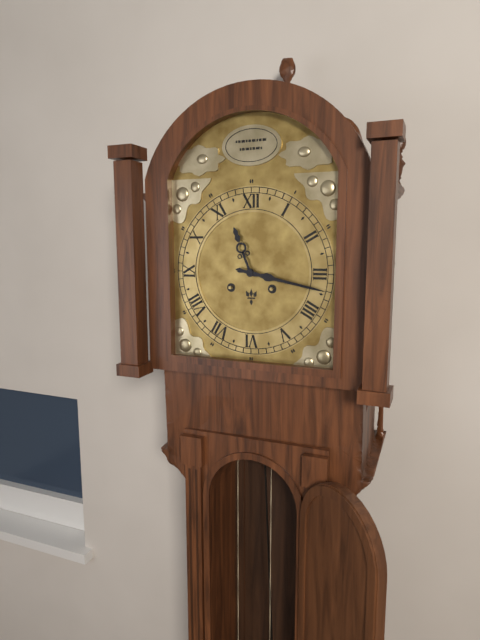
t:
11h17
